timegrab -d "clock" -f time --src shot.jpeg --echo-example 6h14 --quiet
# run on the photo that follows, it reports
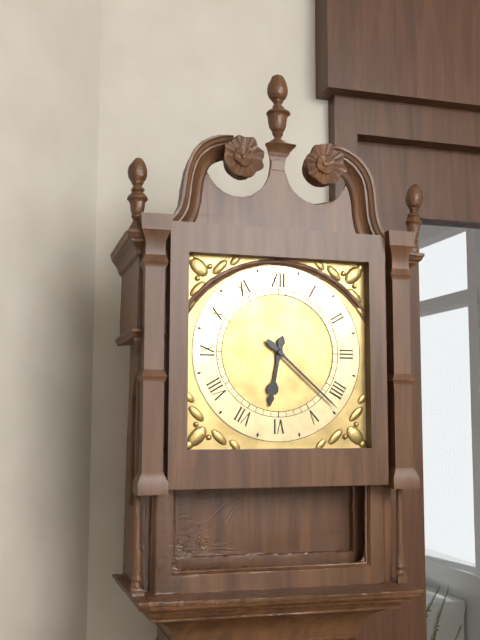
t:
6h22
